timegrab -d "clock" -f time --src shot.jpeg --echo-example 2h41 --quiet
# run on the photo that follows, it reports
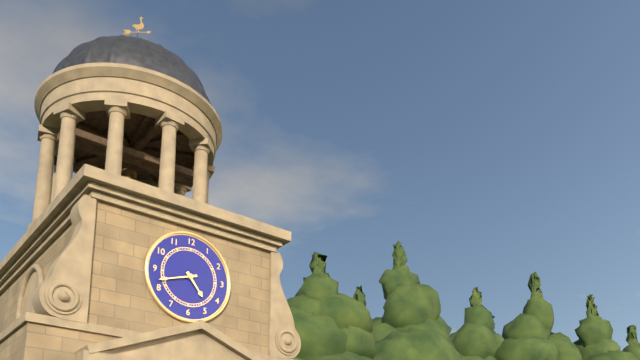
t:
4h42
